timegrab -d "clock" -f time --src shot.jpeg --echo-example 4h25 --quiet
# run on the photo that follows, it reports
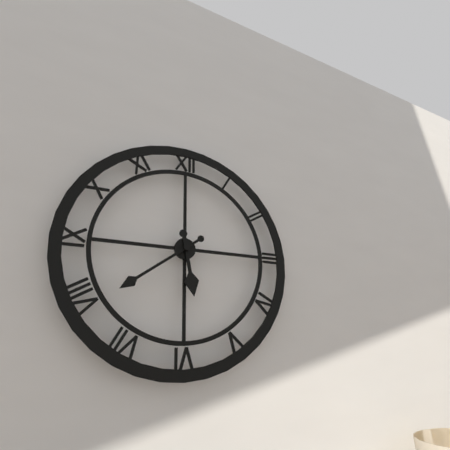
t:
5h39
